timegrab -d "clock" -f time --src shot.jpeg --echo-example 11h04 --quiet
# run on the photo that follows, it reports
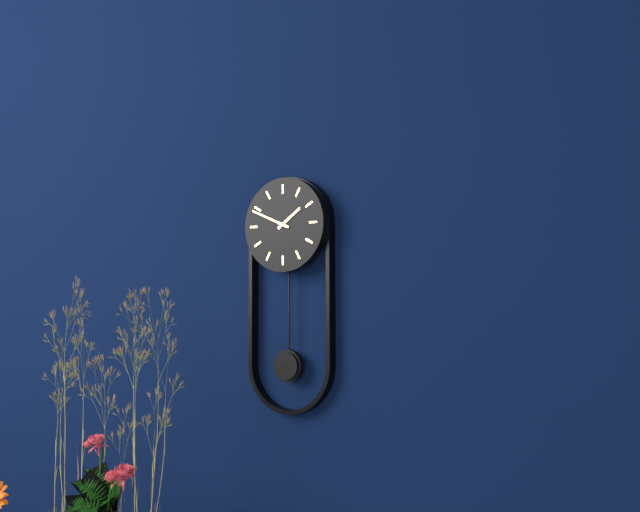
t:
1h49
